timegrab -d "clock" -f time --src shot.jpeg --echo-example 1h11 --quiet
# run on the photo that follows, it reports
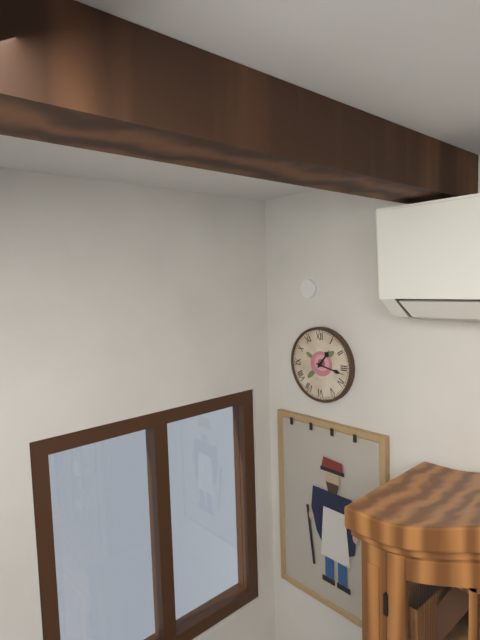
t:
1h17
